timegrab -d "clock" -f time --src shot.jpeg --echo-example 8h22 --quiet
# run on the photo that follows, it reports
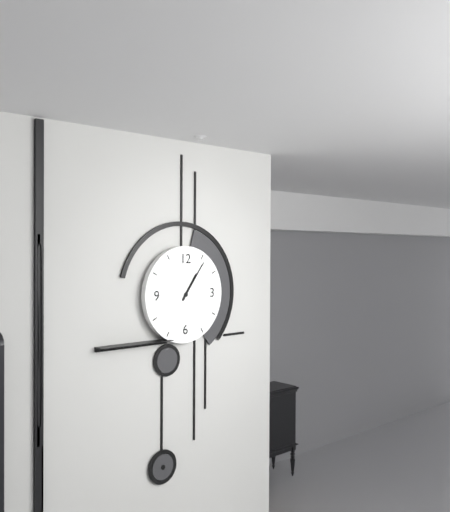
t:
1h06
